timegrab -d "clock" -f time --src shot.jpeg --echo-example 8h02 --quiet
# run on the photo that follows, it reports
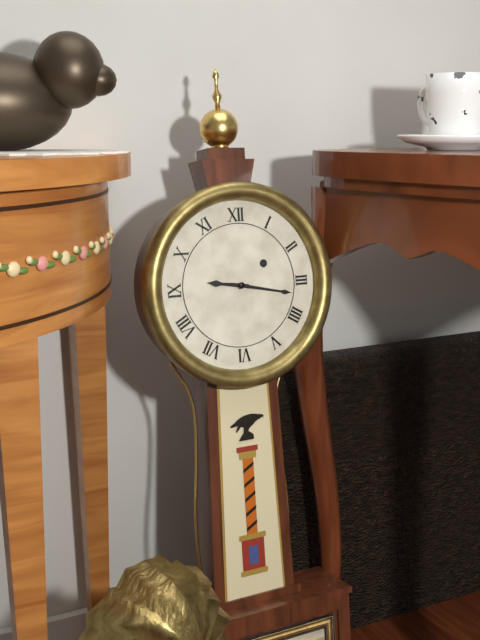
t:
9h17
